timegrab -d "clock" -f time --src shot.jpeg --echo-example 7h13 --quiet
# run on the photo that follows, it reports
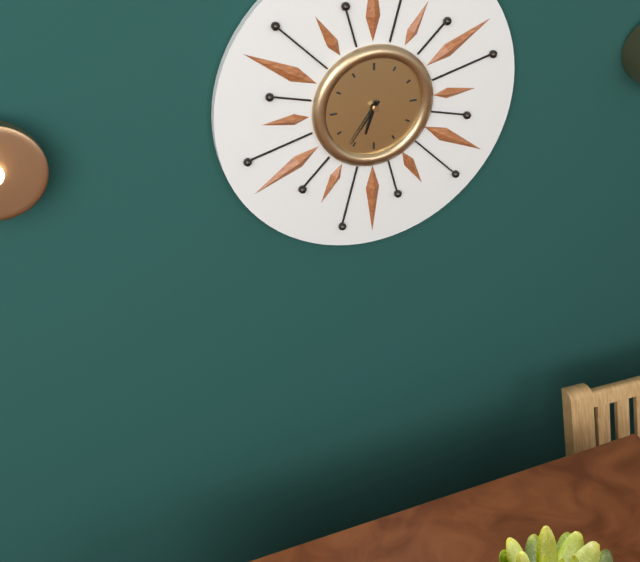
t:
6h36
